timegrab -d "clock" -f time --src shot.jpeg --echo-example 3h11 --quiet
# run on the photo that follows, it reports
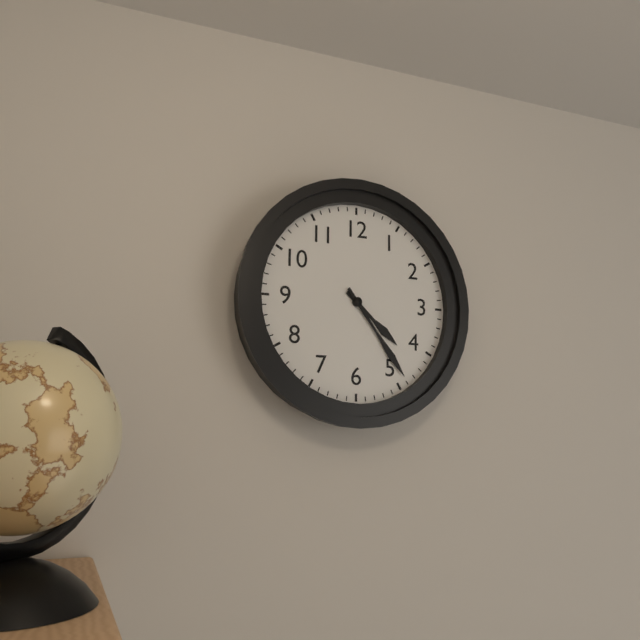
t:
4h24
